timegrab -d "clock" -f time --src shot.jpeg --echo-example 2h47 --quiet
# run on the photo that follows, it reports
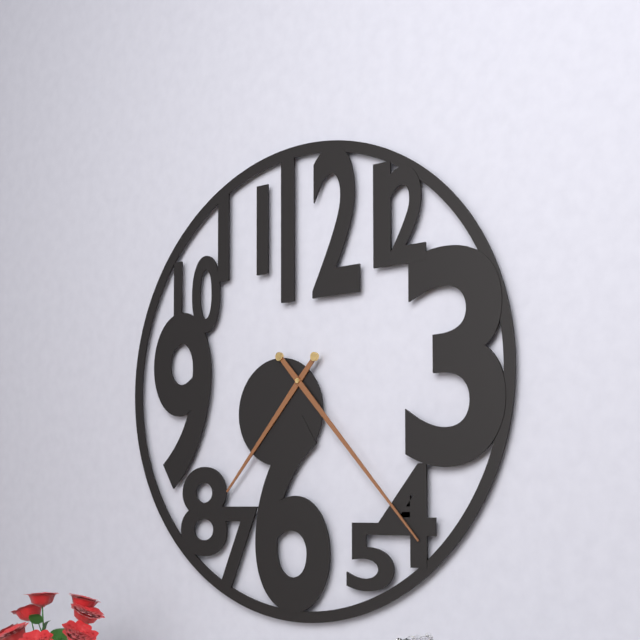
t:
7h23
